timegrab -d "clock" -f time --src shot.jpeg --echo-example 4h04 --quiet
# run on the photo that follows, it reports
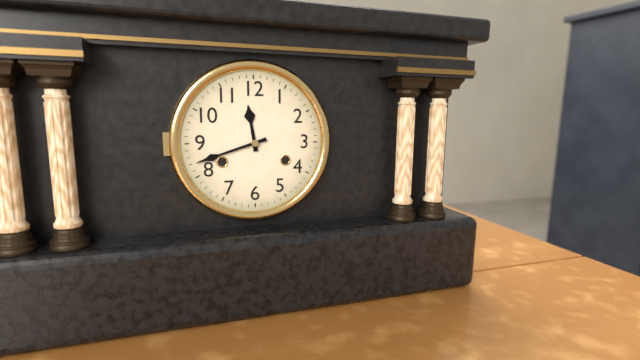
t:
11h42
